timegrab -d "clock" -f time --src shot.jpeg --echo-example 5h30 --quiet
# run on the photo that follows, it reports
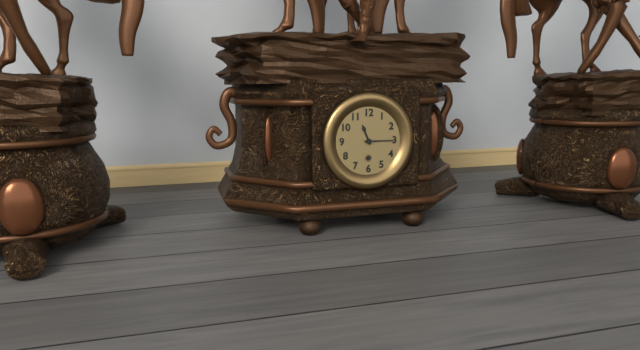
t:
11h15
